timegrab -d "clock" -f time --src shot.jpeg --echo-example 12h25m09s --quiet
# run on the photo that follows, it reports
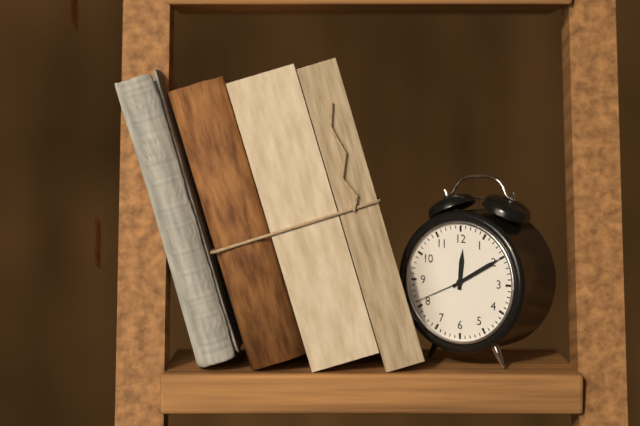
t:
12h10m41s
